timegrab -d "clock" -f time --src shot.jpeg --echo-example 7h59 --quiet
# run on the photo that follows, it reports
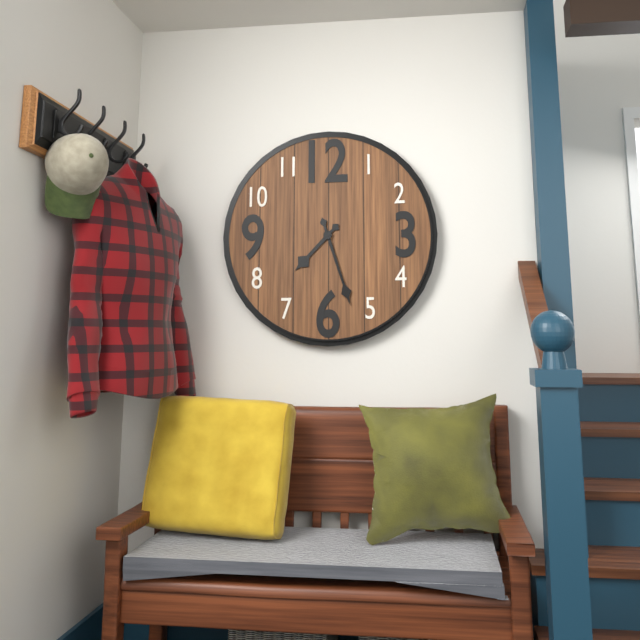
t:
7h27
